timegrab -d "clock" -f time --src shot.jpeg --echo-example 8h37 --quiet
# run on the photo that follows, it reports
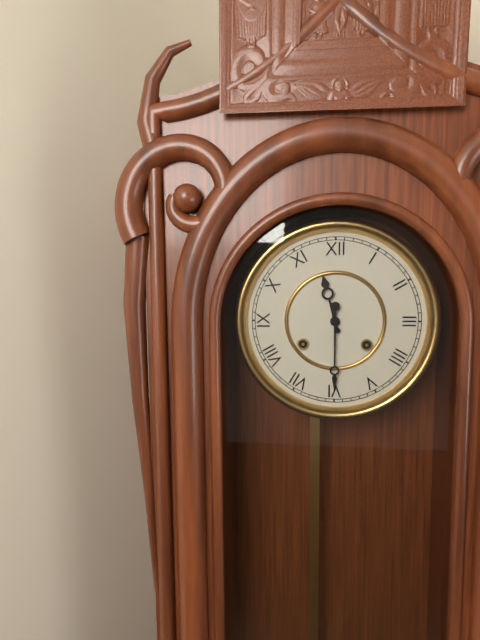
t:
11h30
